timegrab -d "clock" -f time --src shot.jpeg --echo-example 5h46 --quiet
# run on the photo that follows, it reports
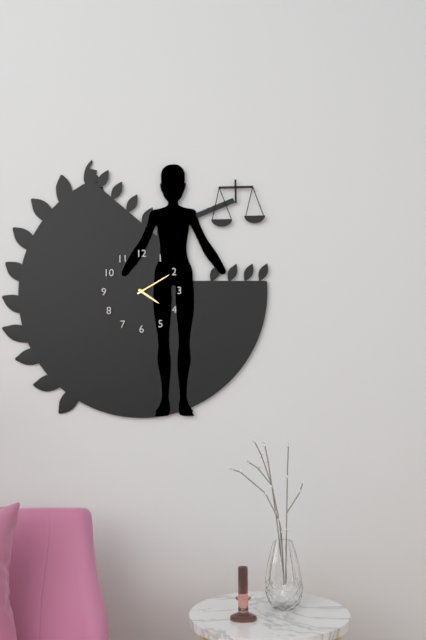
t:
4h10
